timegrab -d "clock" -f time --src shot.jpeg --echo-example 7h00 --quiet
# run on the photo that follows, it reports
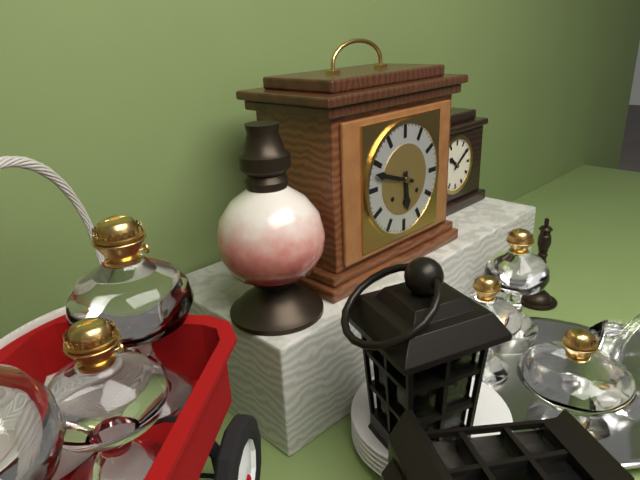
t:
5h48
